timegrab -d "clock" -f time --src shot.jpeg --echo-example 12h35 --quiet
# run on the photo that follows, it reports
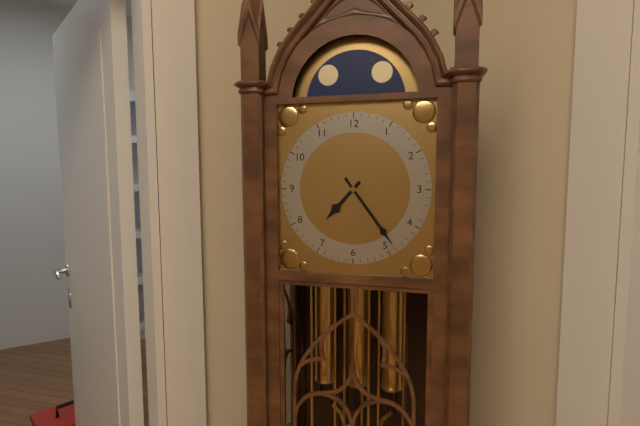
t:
7h24
